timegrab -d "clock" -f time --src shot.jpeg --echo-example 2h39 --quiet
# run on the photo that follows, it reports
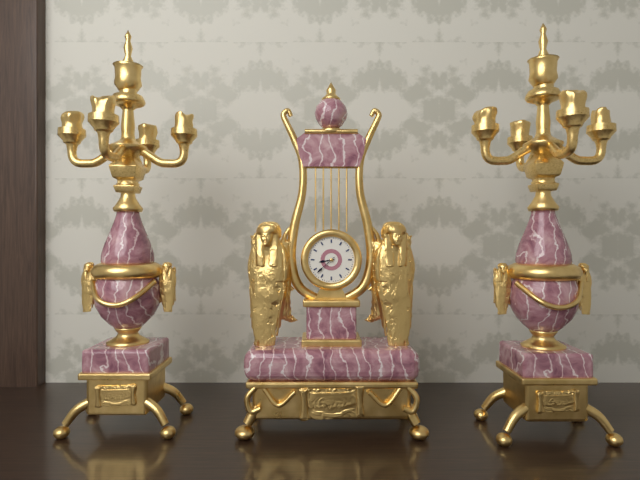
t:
8h38
